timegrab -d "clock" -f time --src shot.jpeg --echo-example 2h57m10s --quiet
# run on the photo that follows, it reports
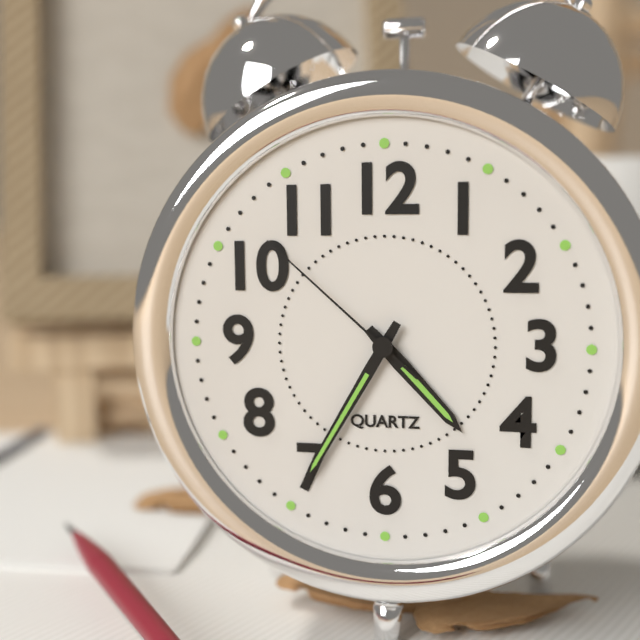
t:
4h35m52s
